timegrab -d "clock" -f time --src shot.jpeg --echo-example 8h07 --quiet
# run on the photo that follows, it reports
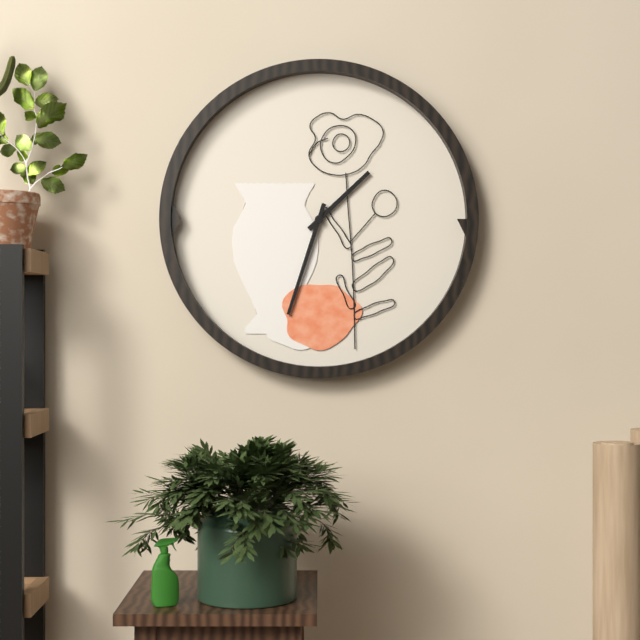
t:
1h33
